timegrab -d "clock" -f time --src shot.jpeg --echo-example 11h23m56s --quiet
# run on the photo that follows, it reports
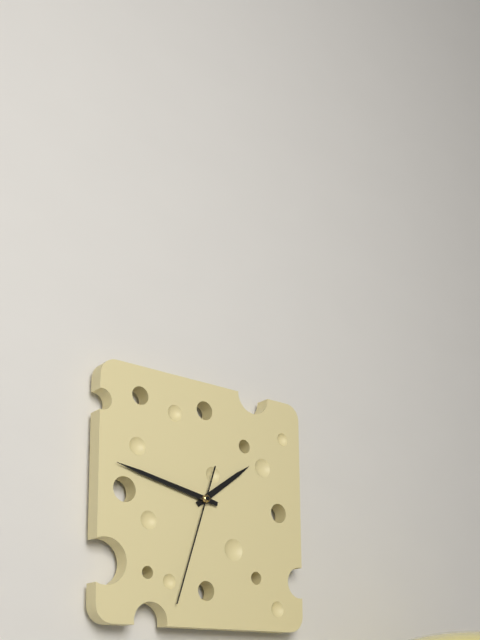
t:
1h47m33s
